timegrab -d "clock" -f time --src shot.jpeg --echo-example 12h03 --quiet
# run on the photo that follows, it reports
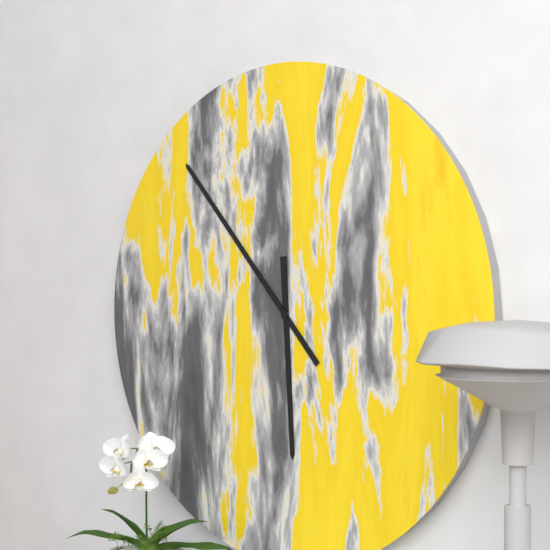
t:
5h53
